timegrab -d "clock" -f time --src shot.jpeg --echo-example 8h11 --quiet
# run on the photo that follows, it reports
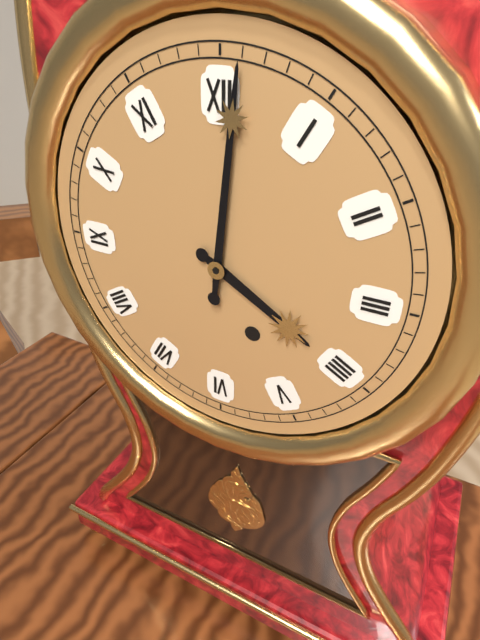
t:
4h01
